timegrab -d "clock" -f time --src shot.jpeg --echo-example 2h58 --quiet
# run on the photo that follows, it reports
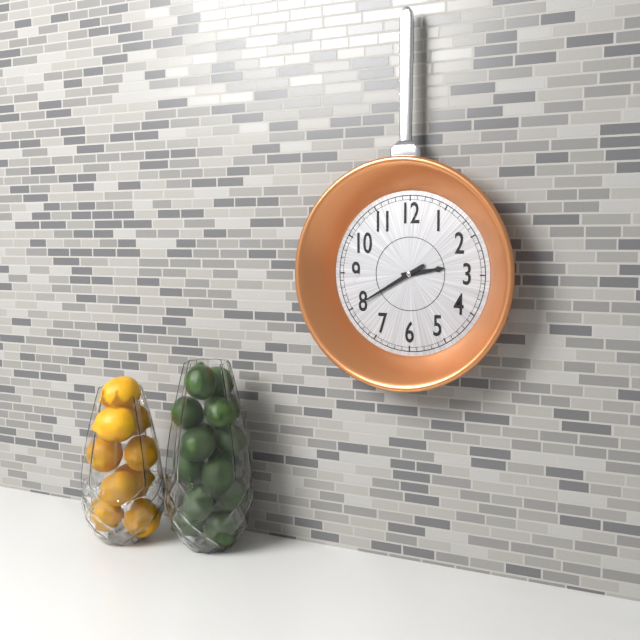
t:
2h40
